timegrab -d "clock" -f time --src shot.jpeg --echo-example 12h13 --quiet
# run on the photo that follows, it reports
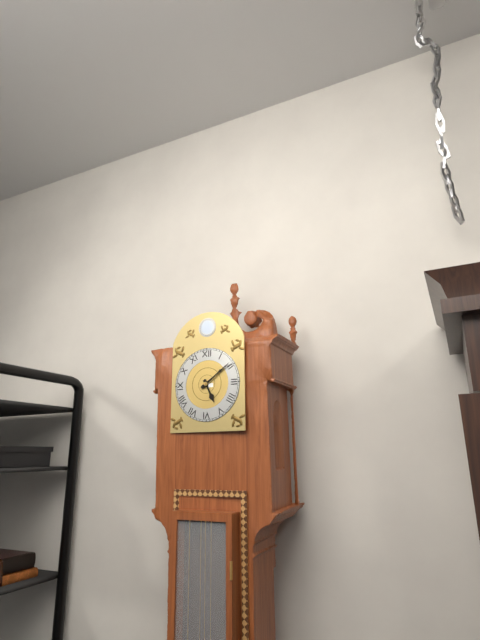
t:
5h09
